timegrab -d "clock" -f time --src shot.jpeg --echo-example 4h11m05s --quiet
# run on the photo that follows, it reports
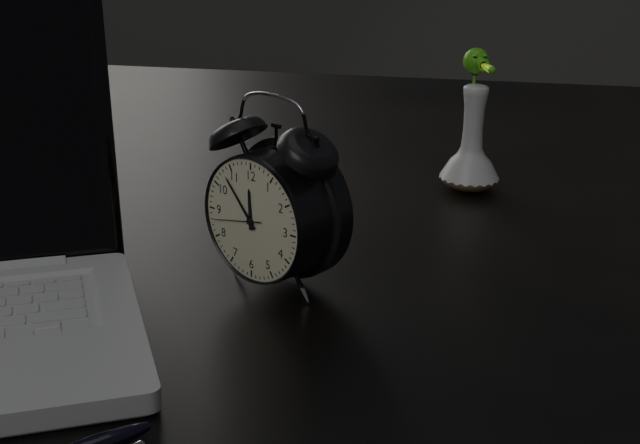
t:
11h53m43s
